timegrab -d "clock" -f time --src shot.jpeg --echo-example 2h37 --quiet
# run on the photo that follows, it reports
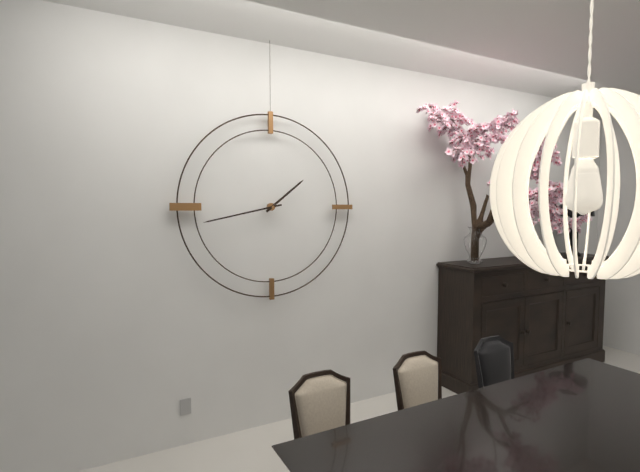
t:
1h43
